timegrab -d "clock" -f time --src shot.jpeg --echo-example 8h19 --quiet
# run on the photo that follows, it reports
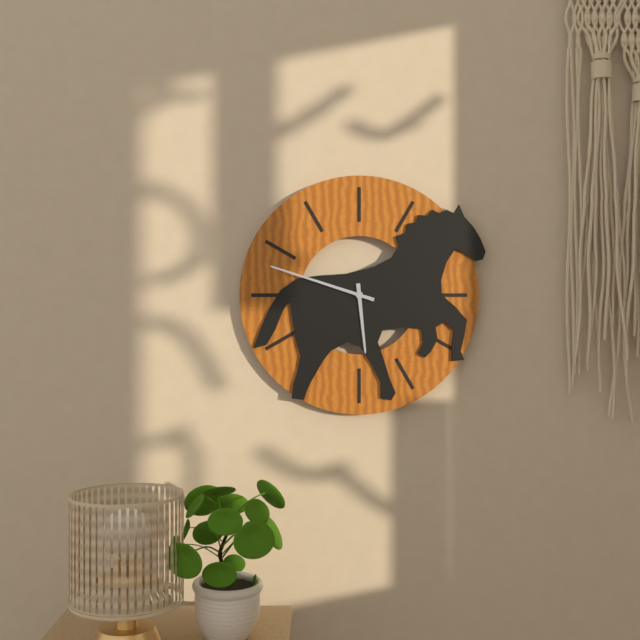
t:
5h48
